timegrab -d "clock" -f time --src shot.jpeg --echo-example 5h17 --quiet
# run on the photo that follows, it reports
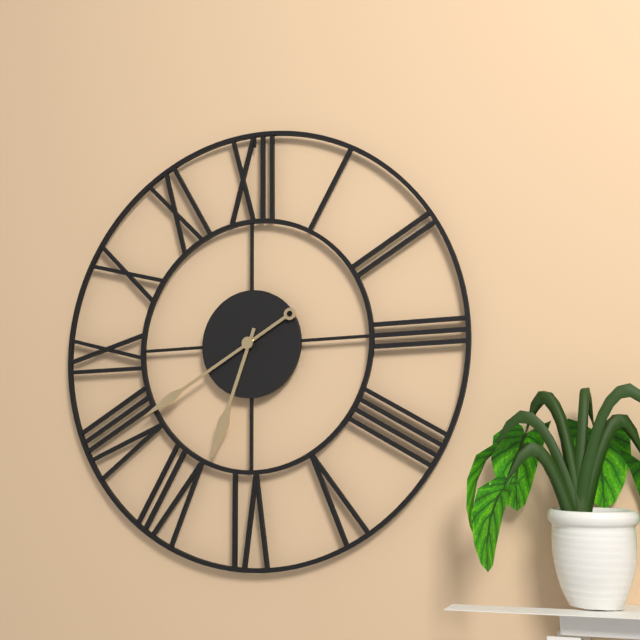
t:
6h40
